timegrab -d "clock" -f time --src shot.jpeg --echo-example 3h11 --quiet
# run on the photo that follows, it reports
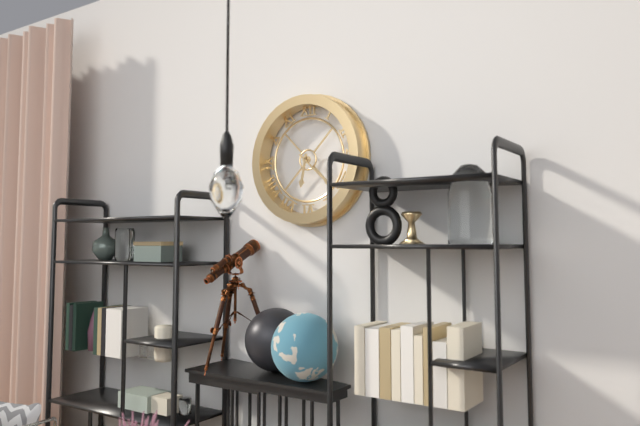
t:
6h22
